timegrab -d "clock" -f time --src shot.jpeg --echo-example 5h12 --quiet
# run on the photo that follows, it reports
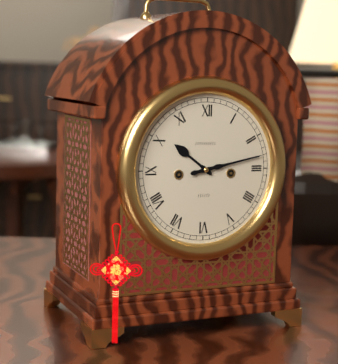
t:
10h13
